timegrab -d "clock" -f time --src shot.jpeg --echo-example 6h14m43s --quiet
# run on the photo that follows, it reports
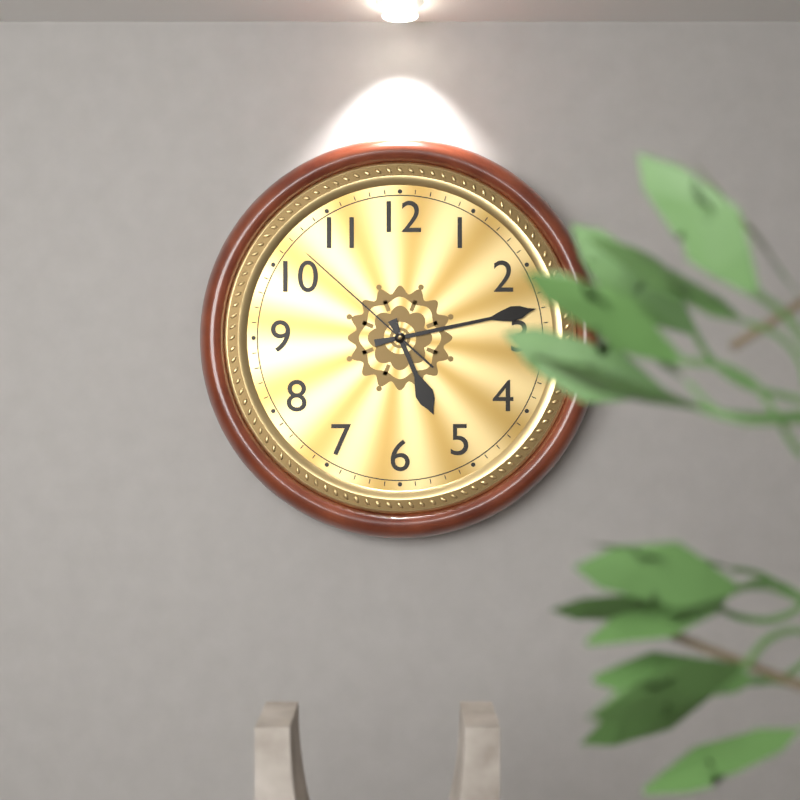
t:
5h13m52s
